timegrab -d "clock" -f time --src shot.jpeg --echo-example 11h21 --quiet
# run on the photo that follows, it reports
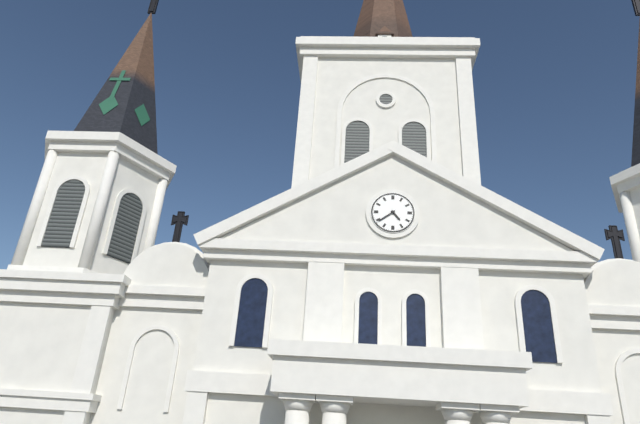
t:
4h39
